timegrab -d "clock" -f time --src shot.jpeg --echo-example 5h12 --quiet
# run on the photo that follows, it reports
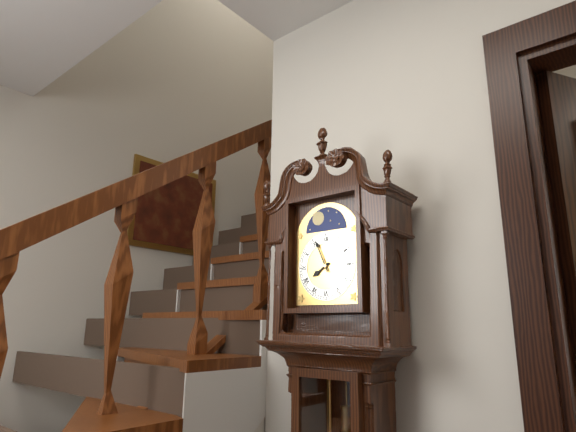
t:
7h56
